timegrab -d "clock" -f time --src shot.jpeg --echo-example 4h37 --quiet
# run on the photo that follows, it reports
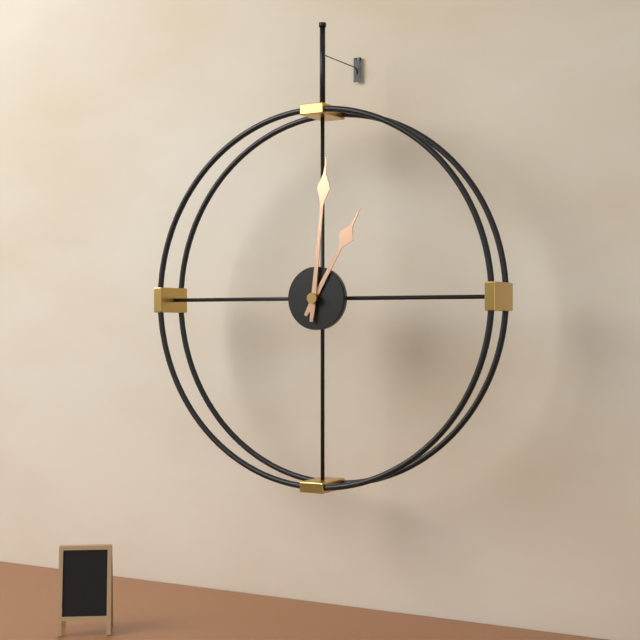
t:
1h01
